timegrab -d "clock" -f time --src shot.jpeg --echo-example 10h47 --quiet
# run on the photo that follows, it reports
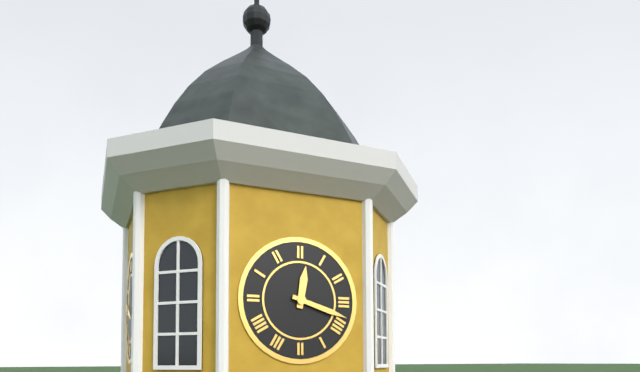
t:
12h18
